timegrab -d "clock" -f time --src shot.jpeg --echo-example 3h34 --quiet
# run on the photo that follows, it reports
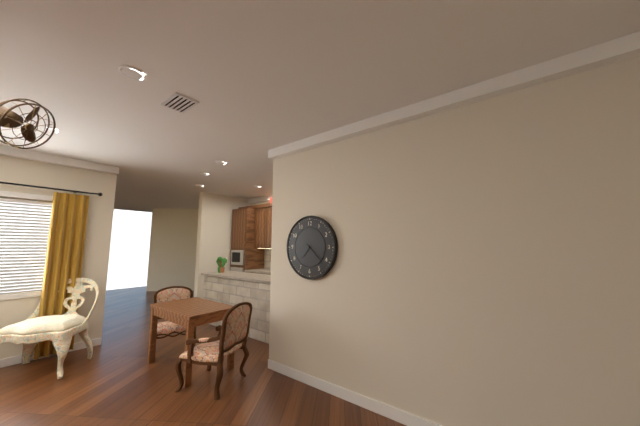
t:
7h22
